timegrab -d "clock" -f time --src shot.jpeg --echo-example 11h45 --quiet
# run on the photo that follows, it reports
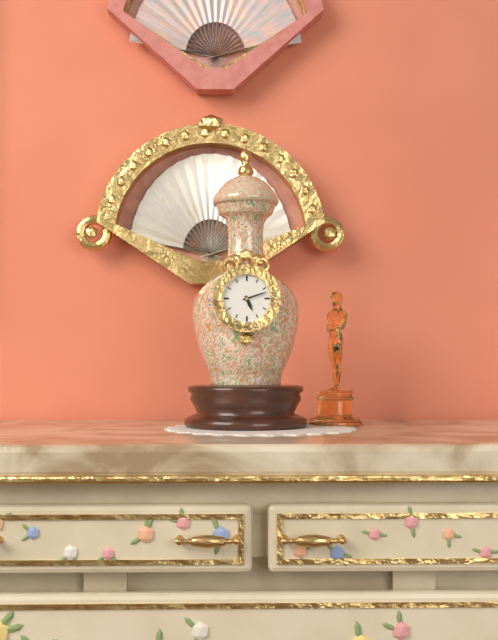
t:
5h12
